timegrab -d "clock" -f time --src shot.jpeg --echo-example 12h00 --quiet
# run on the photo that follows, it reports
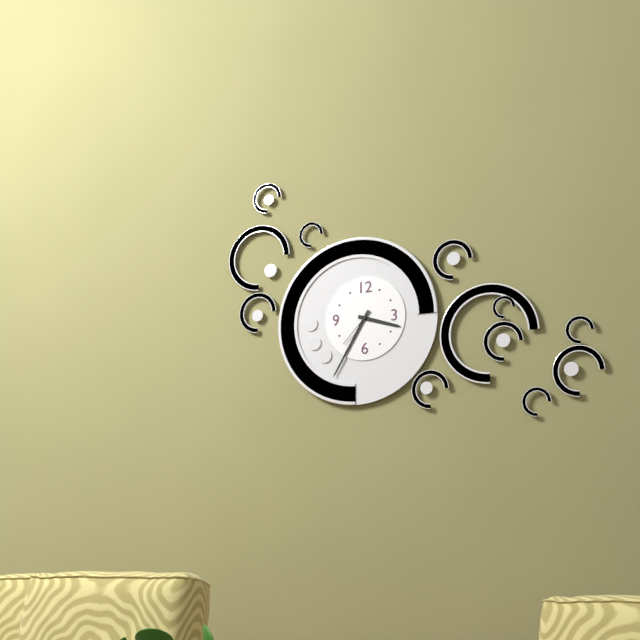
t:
3h35
